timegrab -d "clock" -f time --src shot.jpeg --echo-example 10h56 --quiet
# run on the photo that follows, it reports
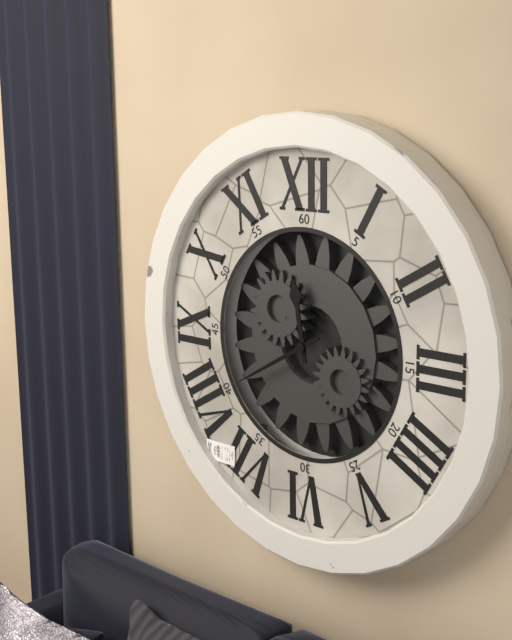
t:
11h40
